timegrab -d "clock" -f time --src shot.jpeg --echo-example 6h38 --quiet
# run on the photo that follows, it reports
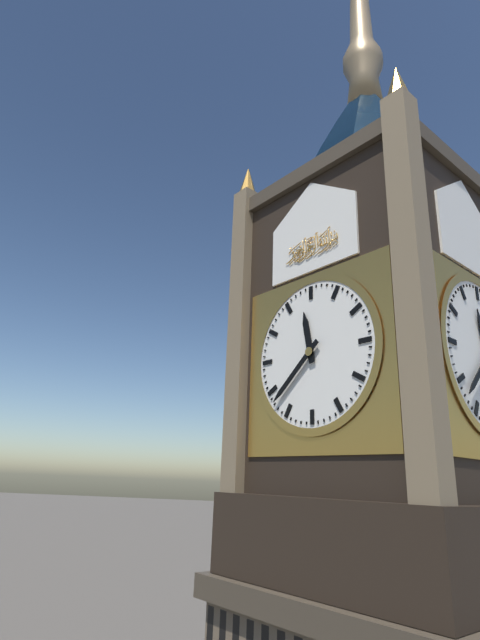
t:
11h38
